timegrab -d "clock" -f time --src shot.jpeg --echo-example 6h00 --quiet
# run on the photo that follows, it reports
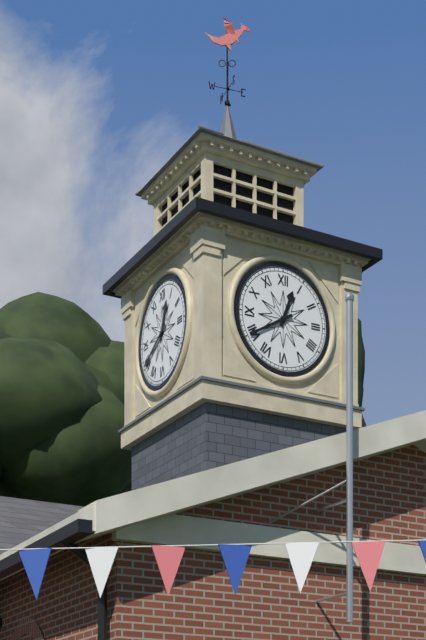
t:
12h40
